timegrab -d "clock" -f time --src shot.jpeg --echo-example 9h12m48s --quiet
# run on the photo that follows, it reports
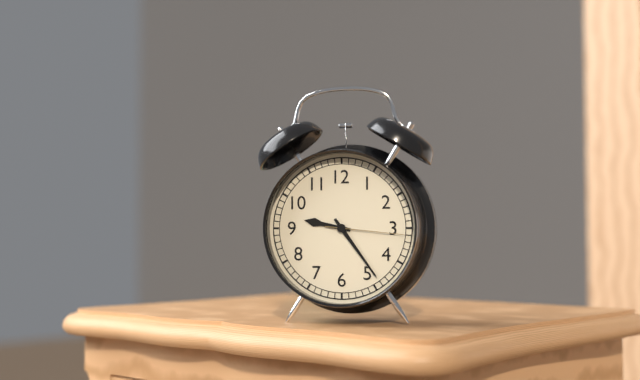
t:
9h24m16s
